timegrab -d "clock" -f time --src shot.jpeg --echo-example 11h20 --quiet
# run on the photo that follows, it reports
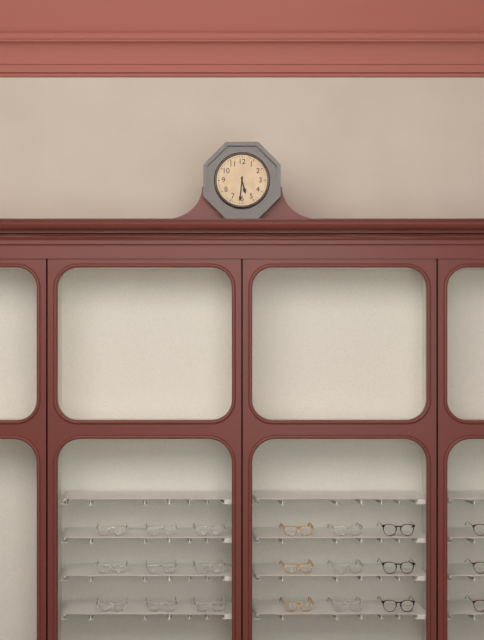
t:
5h31
